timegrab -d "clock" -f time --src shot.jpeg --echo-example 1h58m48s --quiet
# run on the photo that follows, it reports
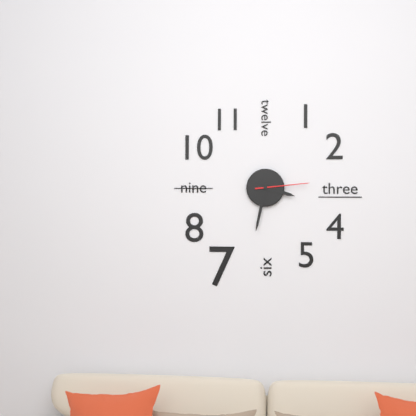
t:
3h32m14s
